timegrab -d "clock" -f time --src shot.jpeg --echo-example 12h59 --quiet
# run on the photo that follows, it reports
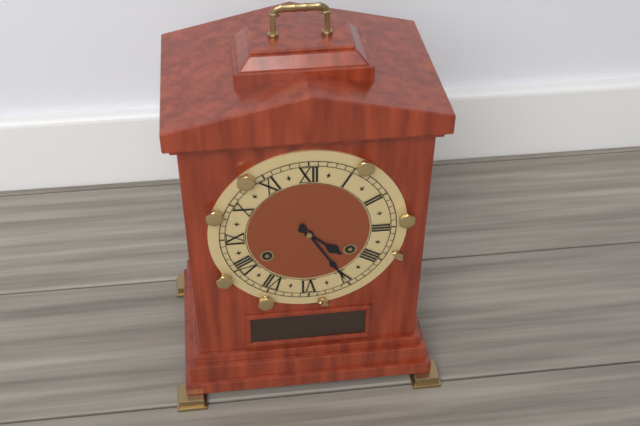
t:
4h25
